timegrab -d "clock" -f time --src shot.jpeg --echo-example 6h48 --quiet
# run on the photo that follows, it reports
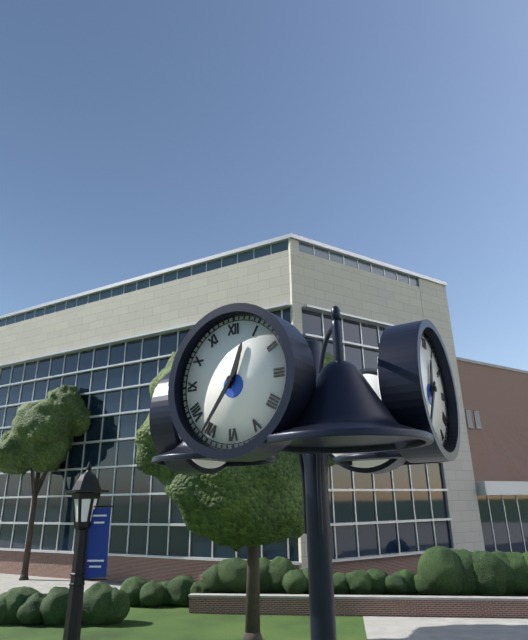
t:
12h36
